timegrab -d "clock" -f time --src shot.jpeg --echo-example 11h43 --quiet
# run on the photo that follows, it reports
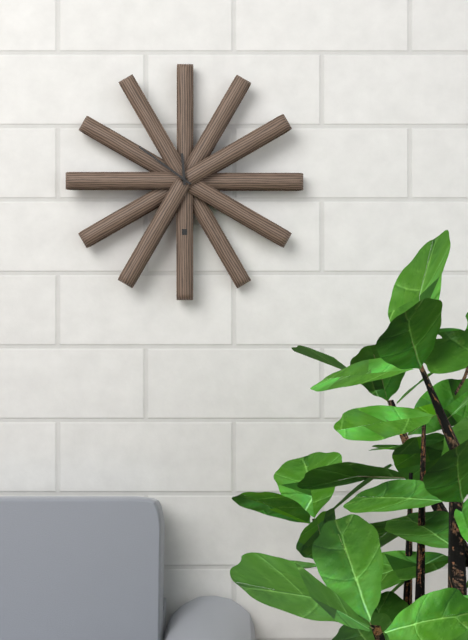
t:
11h51
